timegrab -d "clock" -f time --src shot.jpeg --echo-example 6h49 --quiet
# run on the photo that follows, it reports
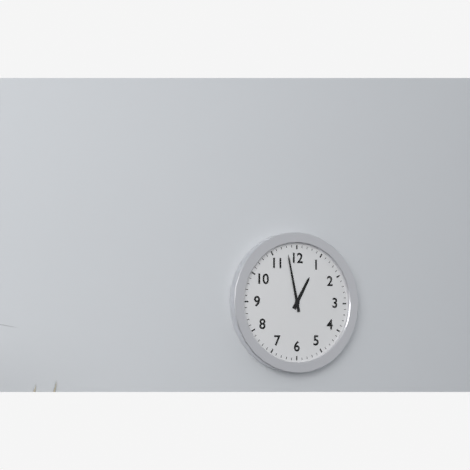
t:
12h58
